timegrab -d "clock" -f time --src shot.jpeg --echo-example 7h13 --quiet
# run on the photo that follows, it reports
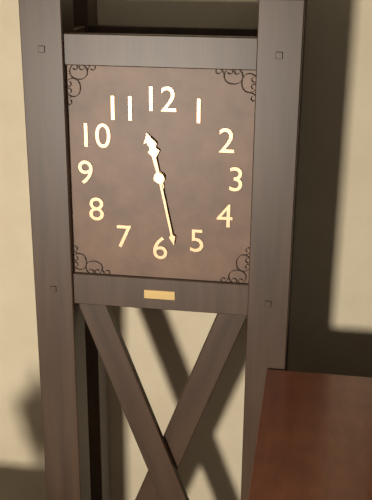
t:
11h28
